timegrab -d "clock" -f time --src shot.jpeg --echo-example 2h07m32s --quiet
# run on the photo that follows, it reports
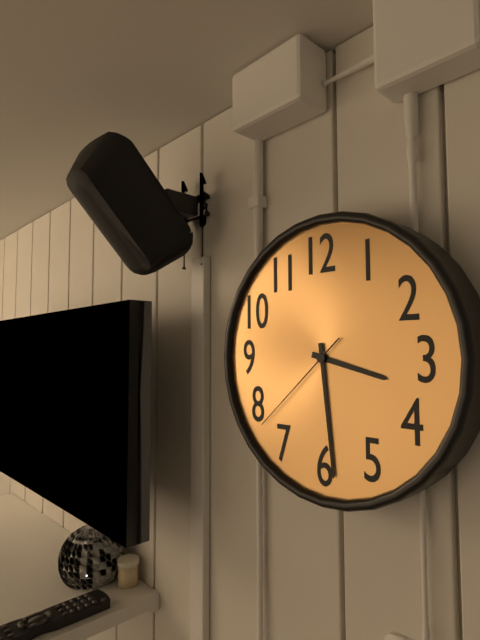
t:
3h29m38s
